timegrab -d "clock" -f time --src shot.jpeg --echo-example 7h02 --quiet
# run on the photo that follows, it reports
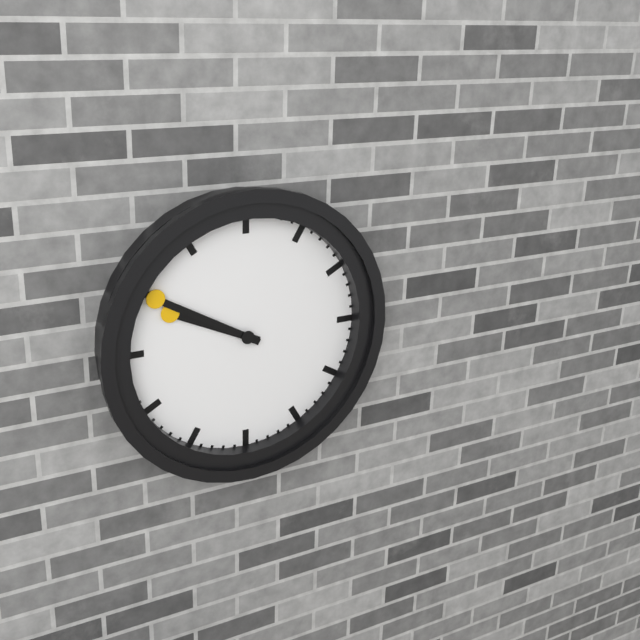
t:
9h50
